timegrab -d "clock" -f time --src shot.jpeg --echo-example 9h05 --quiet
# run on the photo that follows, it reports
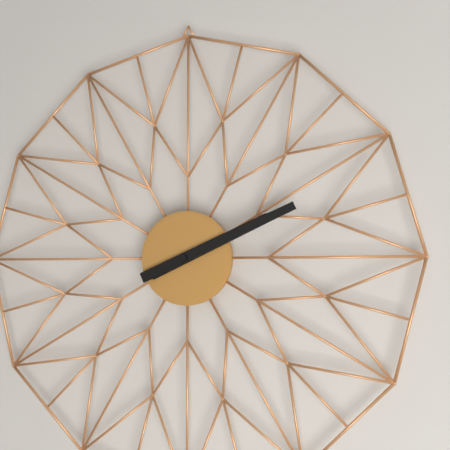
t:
2h11
